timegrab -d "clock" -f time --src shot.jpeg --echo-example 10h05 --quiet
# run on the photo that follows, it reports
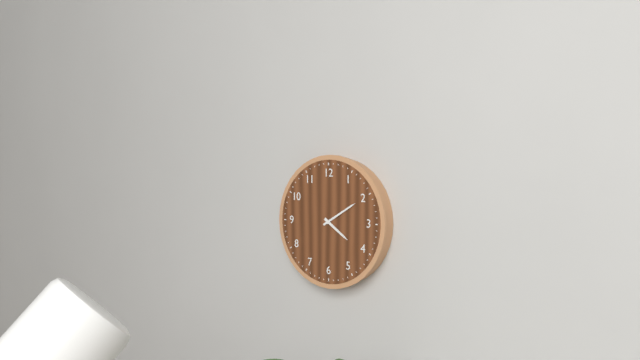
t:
4h10
